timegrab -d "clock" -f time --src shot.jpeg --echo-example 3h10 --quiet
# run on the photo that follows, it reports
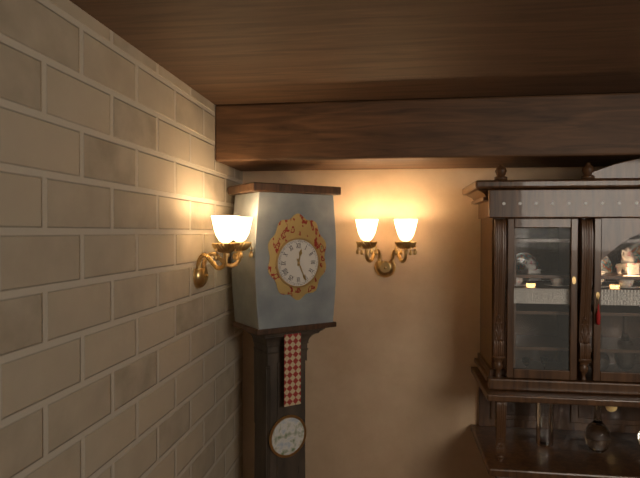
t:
12h26
